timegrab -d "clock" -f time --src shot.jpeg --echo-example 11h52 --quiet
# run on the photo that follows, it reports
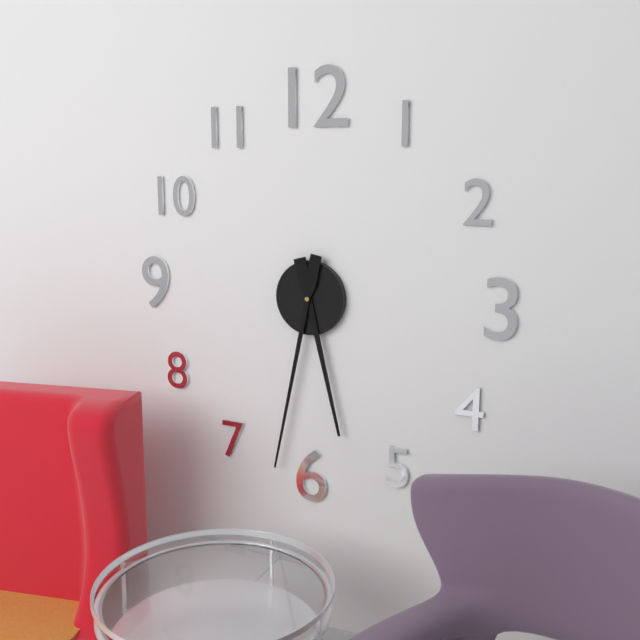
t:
5h32
